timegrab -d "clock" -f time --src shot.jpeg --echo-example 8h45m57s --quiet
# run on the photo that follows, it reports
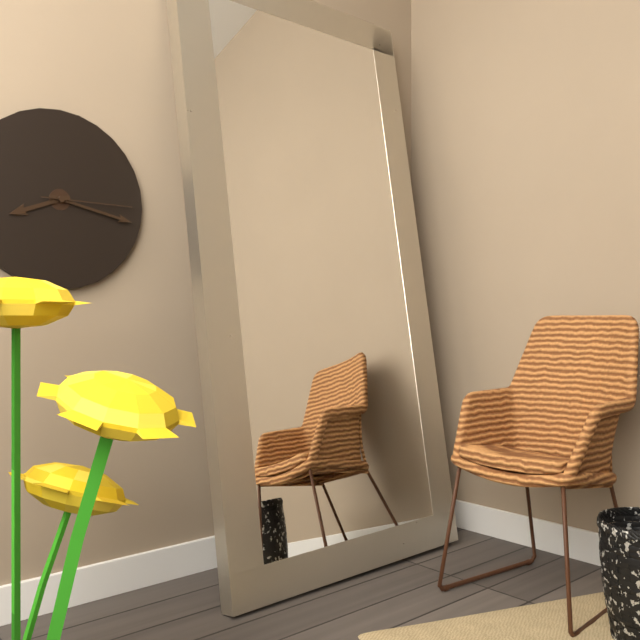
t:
8h17m15s
